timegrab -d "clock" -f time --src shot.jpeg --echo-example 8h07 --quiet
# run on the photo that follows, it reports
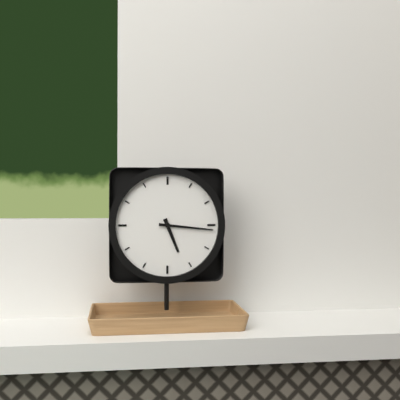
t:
5h16
